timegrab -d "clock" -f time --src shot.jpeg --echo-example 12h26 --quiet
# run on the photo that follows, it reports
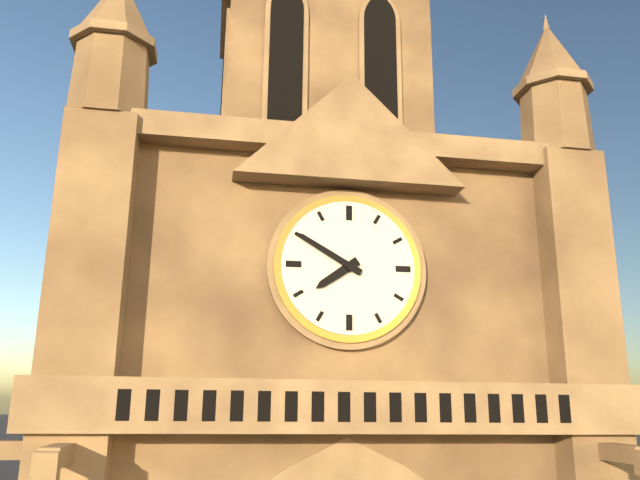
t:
7h50
